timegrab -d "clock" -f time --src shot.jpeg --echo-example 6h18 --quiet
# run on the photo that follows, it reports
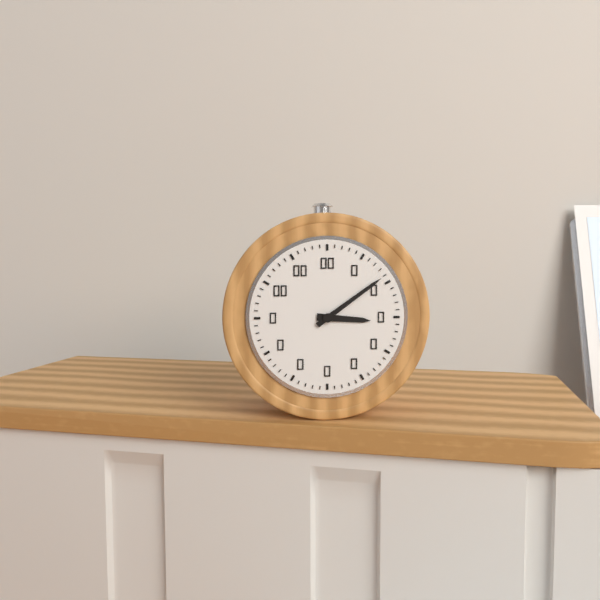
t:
3h09
